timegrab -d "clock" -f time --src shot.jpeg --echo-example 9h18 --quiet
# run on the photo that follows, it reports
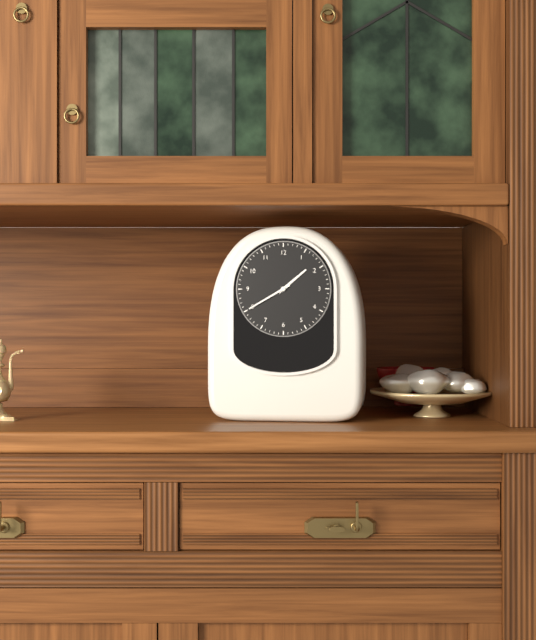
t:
1h40
